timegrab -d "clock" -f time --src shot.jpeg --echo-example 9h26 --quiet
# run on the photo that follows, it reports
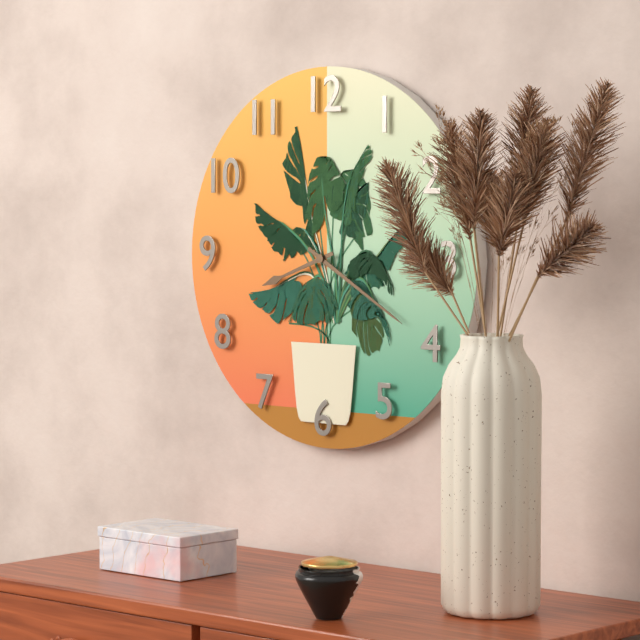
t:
8h20
